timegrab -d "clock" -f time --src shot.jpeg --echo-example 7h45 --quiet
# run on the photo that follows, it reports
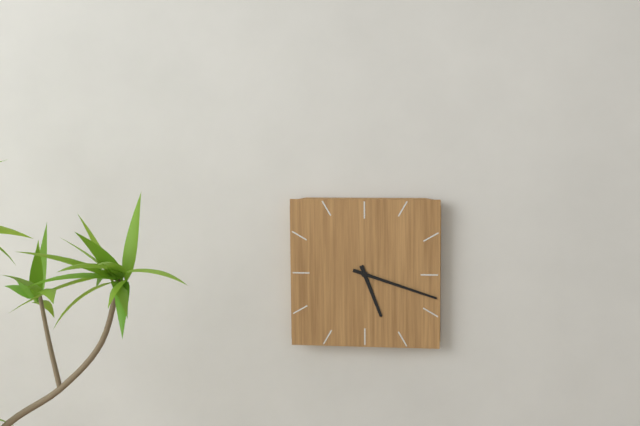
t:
5h18
